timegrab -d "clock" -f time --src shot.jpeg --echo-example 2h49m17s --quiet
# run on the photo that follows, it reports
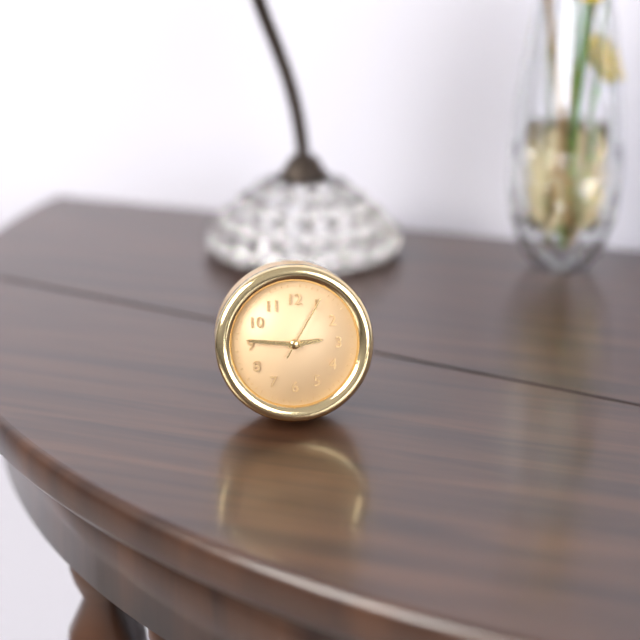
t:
2h46m05s
